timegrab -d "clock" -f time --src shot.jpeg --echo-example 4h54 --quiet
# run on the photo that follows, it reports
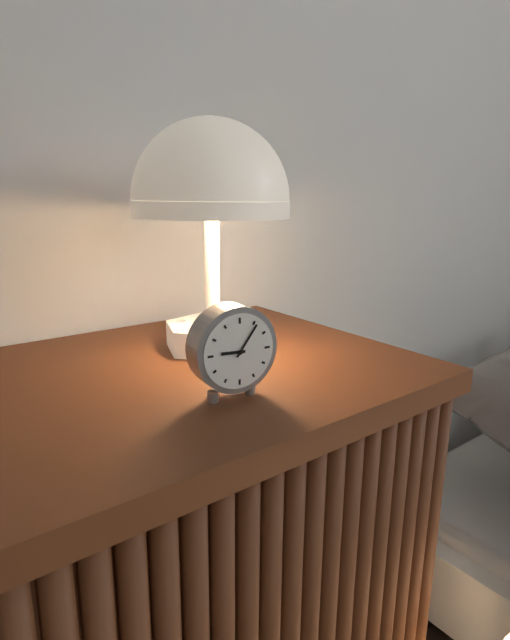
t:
9h06
